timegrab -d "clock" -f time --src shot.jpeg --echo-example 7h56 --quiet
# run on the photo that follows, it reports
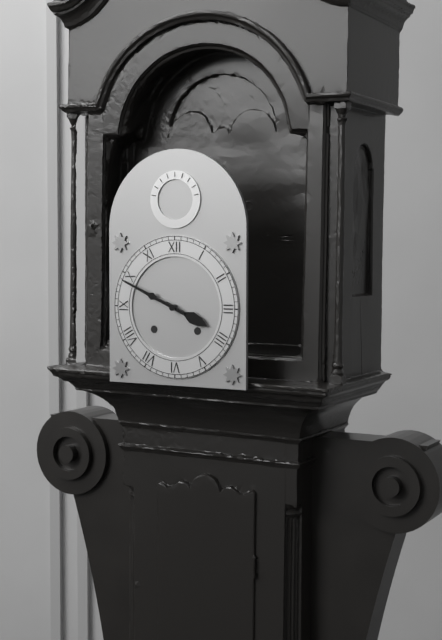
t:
3h49
